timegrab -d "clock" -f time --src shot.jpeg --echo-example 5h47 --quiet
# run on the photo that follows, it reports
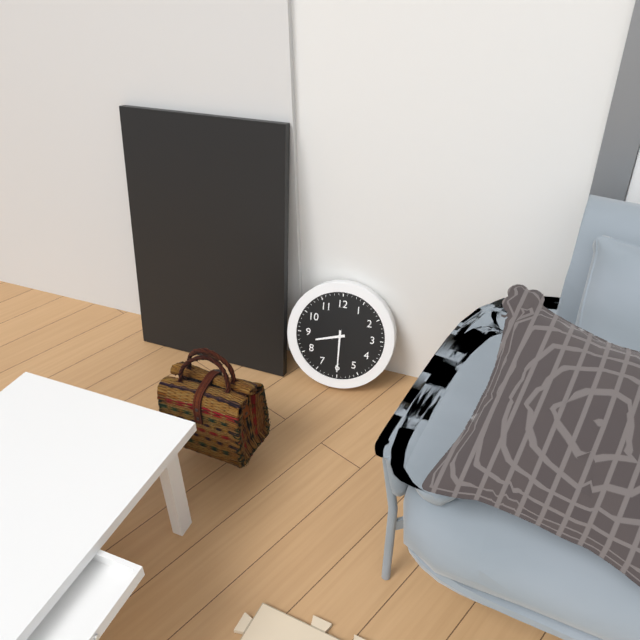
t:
8h30
